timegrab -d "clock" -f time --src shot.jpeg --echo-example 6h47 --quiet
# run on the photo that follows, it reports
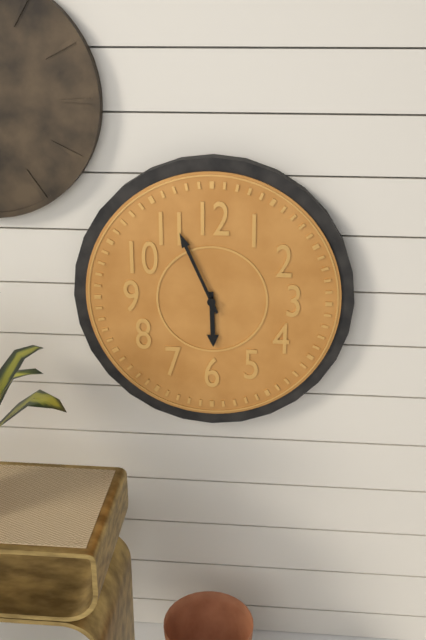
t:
5h56
